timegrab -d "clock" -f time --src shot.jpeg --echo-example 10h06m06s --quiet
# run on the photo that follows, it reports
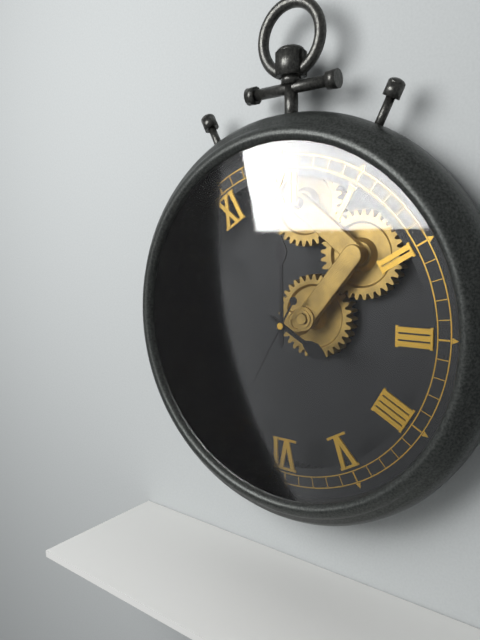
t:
4h00m35s
